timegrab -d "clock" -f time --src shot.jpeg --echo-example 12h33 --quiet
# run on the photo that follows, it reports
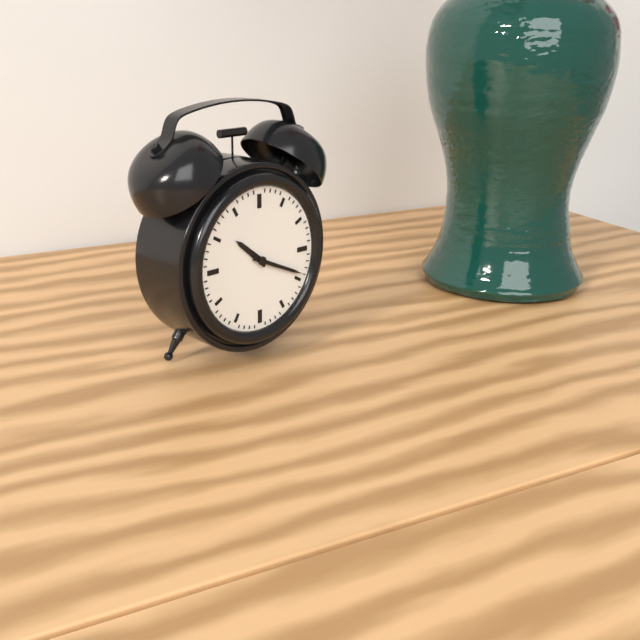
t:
10h19
